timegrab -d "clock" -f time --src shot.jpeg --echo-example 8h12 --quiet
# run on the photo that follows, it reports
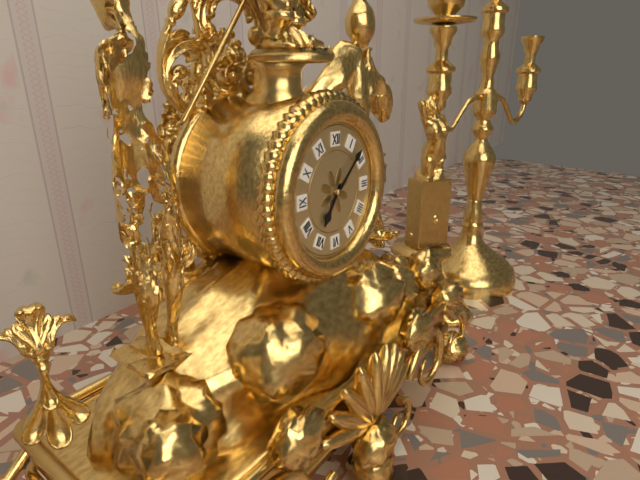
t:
7h08
